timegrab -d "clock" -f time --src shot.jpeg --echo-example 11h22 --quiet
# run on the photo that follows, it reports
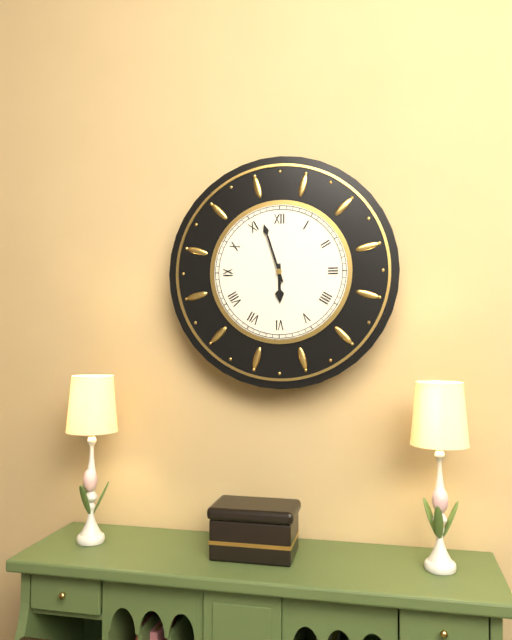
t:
5h57
